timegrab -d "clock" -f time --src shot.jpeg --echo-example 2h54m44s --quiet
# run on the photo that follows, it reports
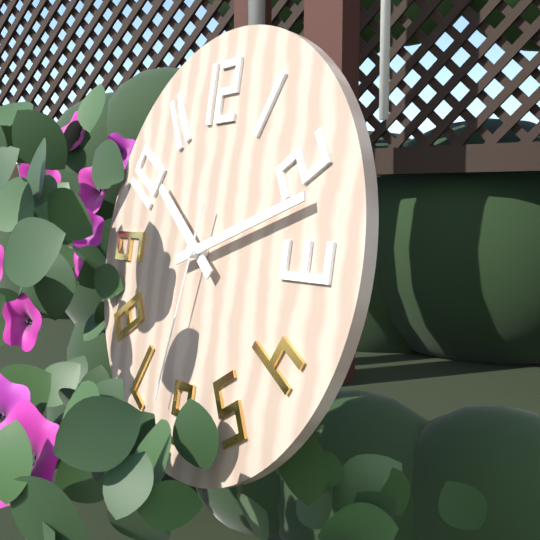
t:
10h12m32s
